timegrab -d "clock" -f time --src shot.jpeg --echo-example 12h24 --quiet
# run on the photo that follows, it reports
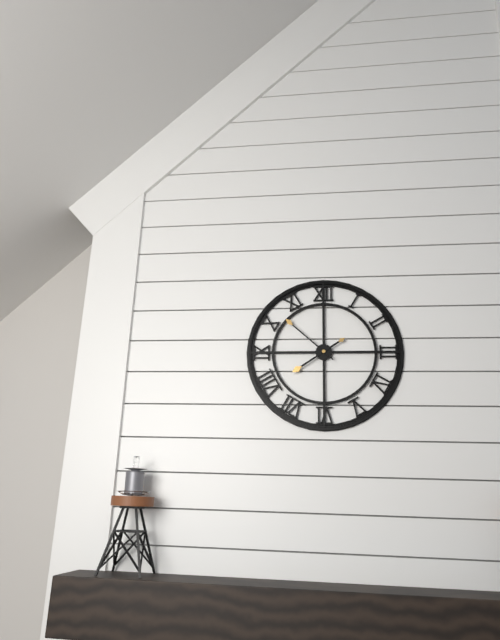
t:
7h52
